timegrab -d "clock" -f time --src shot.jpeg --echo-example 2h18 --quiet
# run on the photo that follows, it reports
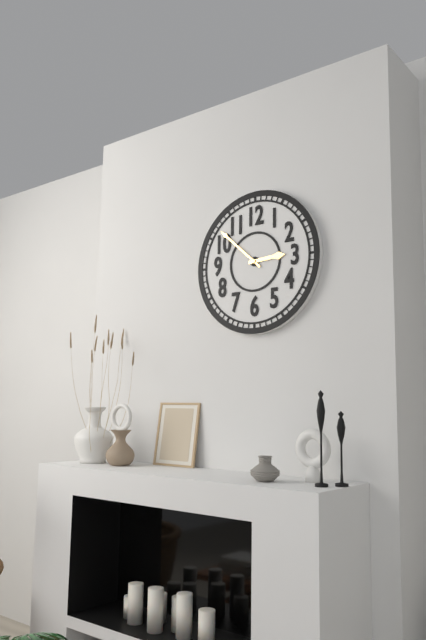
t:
2h52
